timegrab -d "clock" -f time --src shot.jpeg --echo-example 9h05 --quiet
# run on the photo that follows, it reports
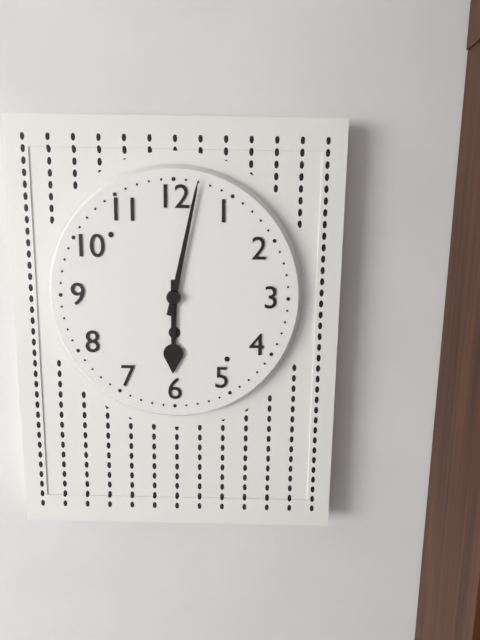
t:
6h02
